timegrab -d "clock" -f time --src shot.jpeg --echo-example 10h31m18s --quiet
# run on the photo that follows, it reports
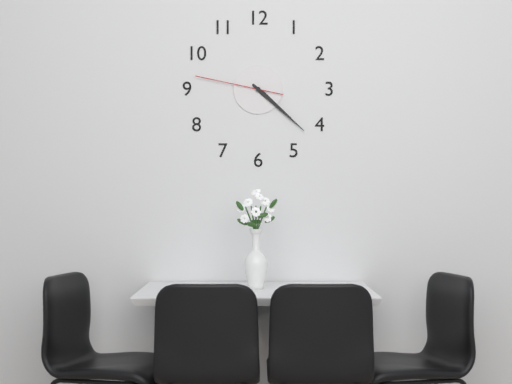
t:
4h22m47s
